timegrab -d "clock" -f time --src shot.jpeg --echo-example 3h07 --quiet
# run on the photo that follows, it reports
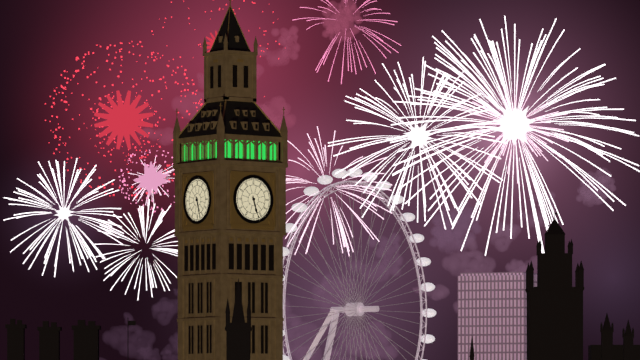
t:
5h27
